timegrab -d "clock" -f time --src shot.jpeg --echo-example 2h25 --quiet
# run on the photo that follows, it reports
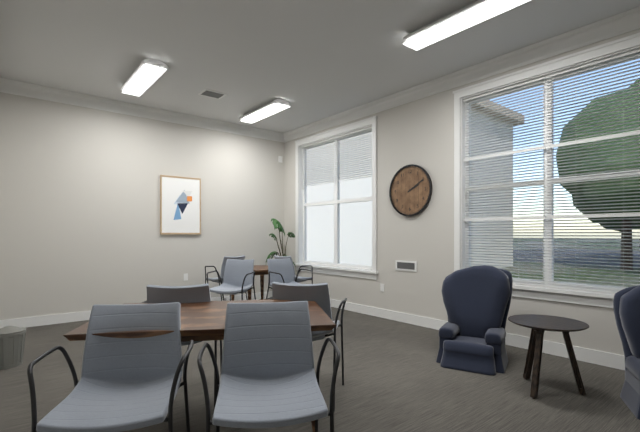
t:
2h10
